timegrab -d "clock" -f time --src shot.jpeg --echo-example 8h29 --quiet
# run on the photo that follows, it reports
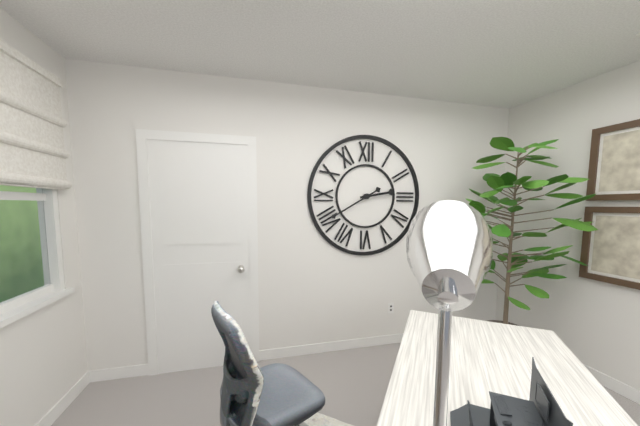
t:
2h40
